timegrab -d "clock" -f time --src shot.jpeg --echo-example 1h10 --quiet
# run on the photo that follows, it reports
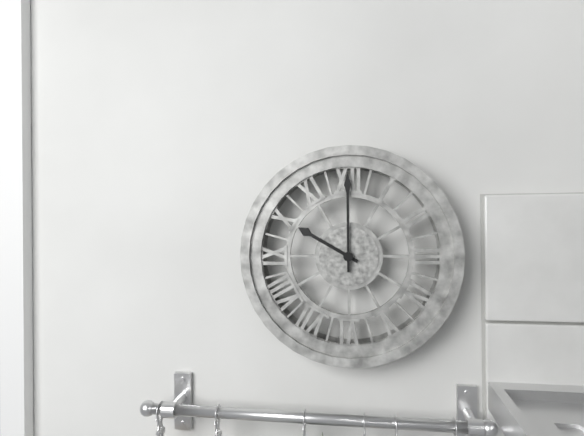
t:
10h00
